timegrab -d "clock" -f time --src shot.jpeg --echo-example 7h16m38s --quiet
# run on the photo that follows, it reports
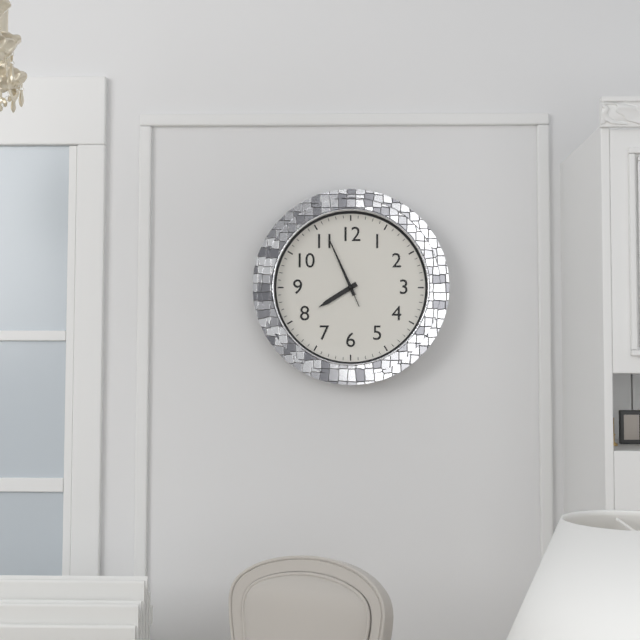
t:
7h56m56s
